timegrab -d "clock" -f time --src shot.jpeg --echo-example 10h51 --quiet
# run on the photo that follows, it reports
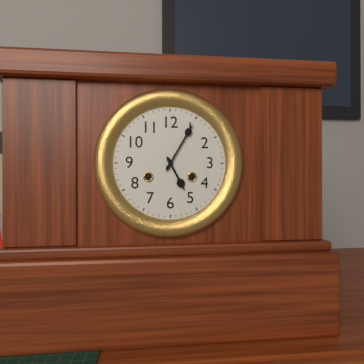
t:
5h05
